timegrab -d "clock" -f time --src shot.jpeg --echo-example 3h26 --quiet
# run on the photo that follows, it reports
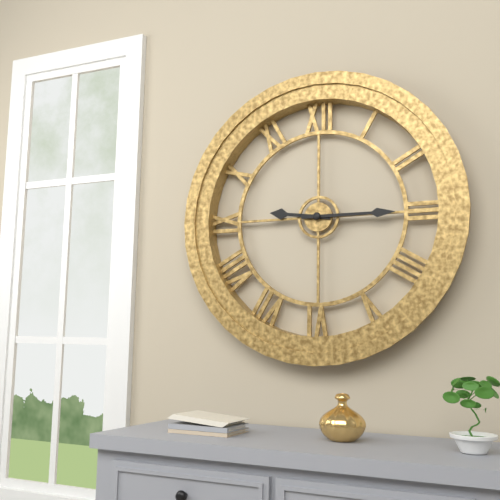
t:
9h15
